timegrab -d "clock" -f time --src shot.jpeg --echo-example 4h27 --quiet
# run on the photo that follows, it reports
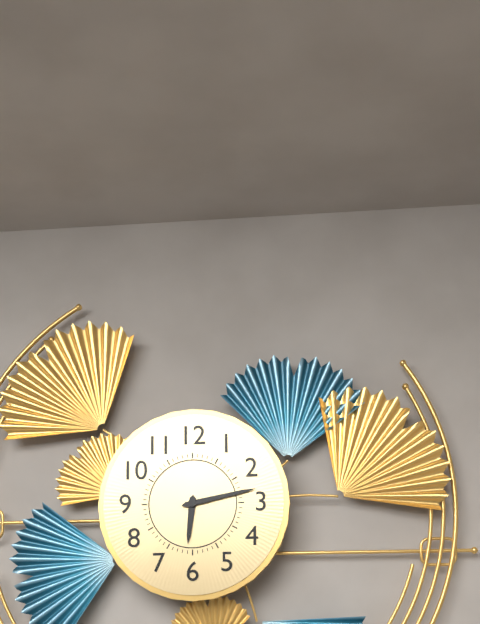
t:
6h13
